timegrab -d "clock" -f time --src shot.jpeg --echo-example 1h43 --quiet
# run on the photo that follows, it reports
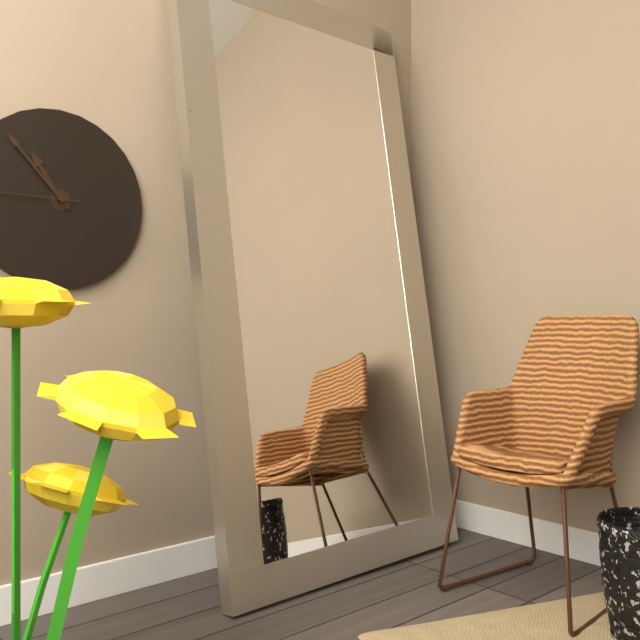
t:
10h53
